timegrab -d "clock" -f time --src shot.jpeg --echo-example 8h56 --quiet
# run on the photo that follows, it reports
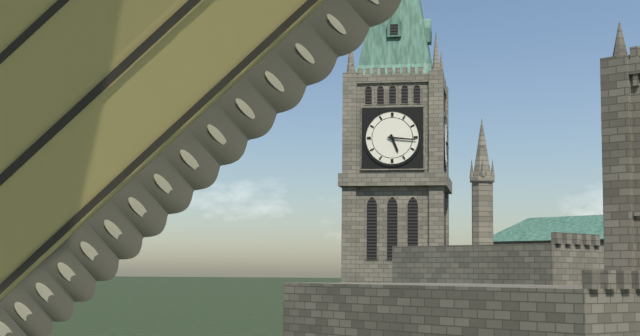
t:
5h16
